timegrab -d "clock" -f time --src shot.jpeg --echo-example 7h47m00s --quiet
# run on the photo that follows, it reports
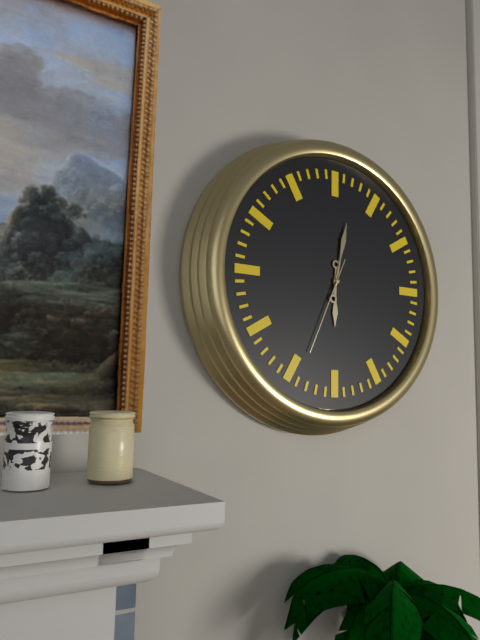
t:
6h02m34s
